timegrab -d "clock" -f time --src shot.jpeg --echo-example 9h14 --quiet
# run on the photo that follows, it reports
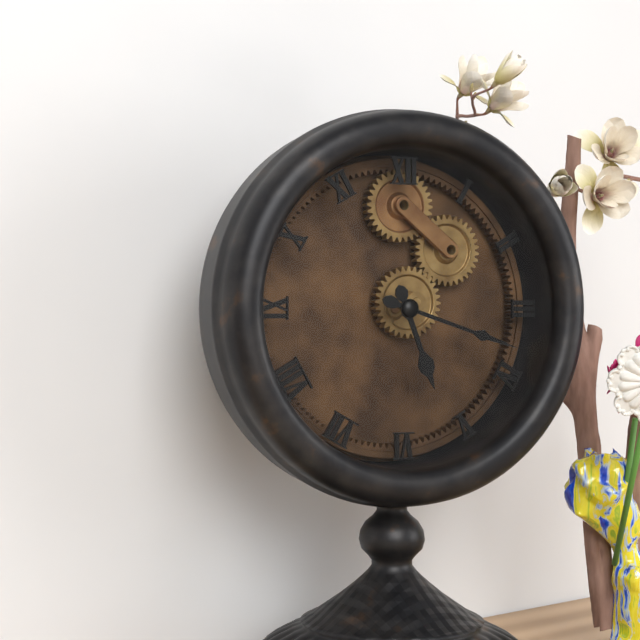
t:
5h18
